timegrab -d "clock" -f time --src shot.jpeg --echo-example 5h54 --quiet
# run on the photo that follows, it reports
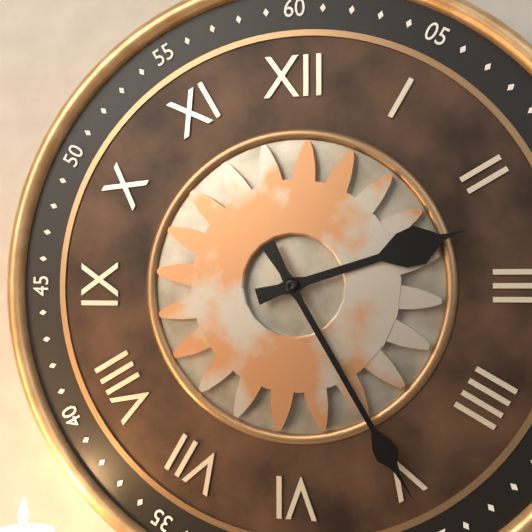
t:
2h25
